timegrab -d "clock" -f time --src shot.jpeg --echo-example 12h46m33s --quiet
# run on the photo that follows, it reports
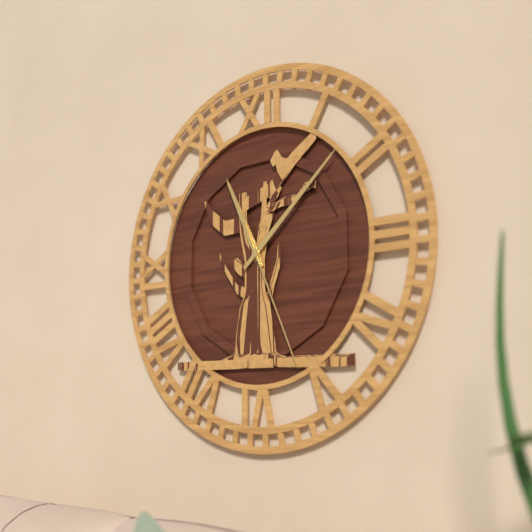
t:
11h08m26s
